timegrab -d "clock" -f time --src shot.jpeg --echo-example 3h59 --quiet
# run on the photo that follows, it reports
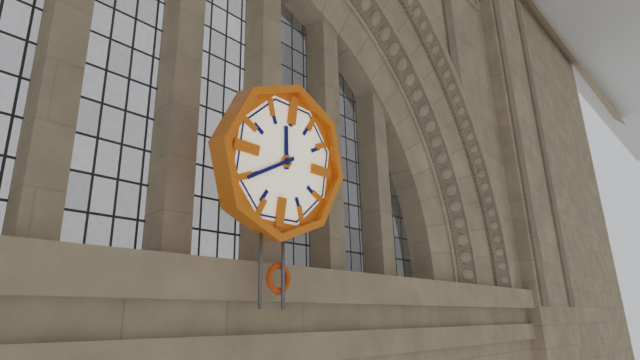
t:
11h40
